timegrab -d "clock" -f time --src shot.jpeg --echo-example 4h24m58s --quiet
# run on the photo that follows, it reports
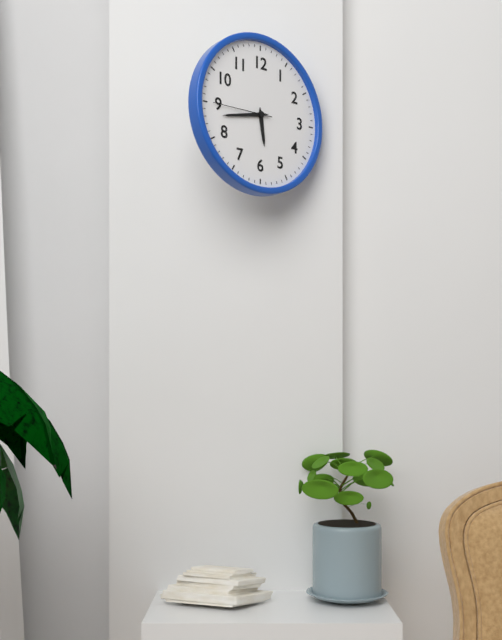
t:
5h43m45s
